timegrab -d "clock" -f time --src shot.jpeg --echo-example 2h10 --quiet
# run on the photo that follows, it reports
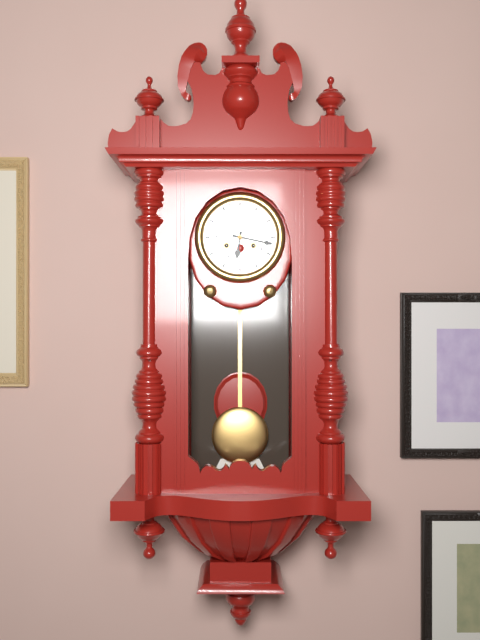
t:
6h17
